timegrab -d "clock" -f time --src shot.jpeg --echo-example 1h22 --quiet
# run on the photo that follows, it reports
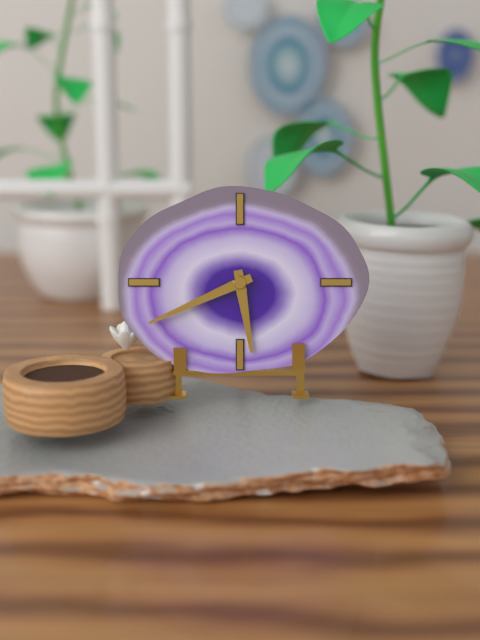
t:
5h41
